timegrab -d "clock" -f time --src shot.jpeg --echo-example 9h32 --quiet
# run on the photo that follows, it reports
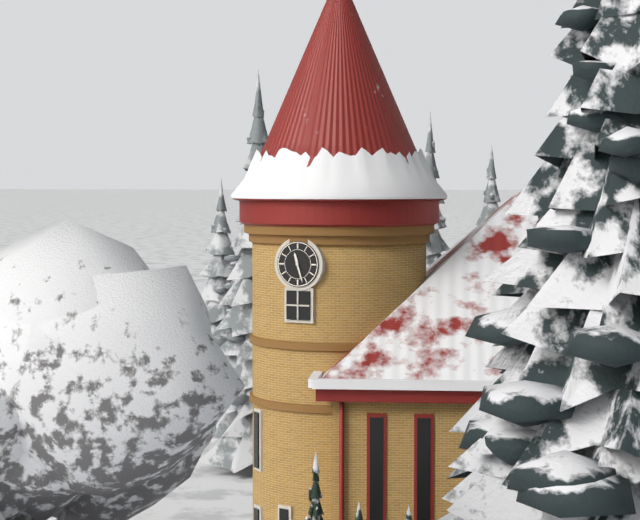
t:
11h27
